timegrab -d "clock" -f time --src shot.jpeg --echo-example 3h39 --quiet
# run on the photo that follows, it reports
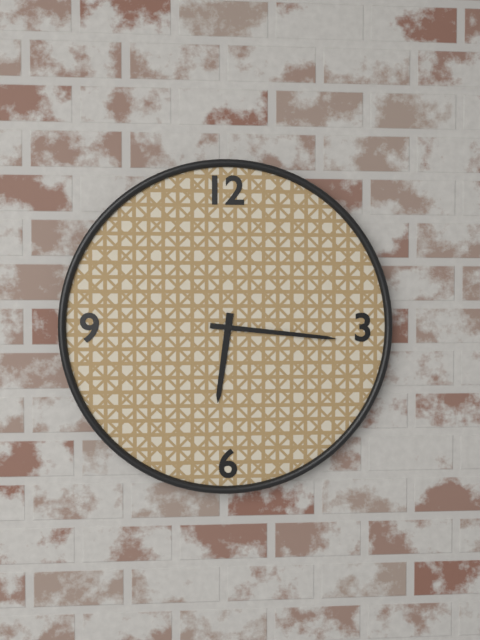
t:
6h16
